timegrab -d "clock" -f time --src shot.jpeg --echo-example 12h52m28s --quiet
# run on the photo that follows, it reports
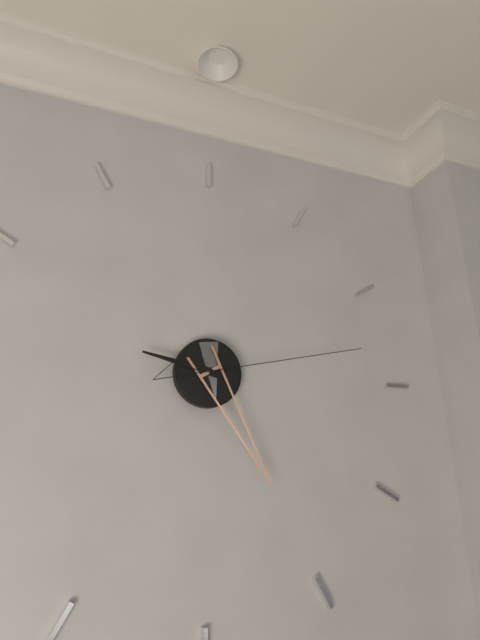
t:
9h25m13s
